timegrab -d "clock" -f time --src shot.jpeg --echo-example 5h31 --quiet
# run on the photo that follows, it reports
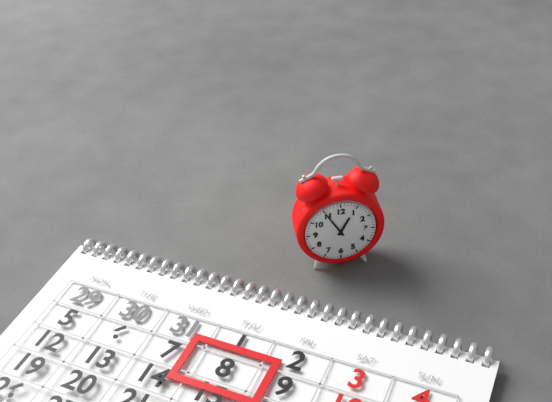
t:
12h55
